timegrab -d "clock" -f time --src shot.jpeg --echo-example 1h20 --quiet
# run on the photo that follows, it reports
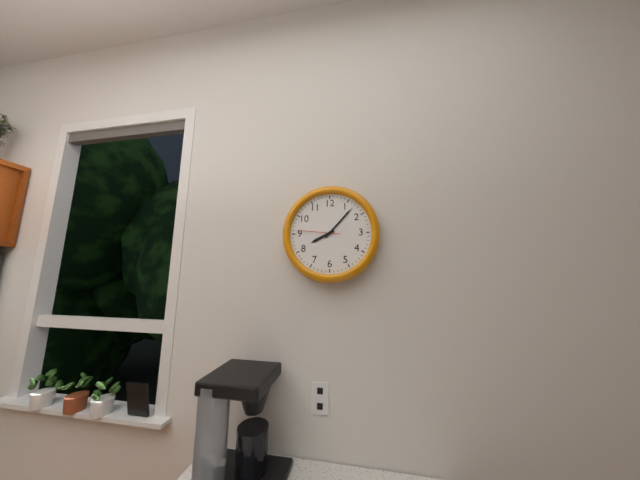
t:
8h07
